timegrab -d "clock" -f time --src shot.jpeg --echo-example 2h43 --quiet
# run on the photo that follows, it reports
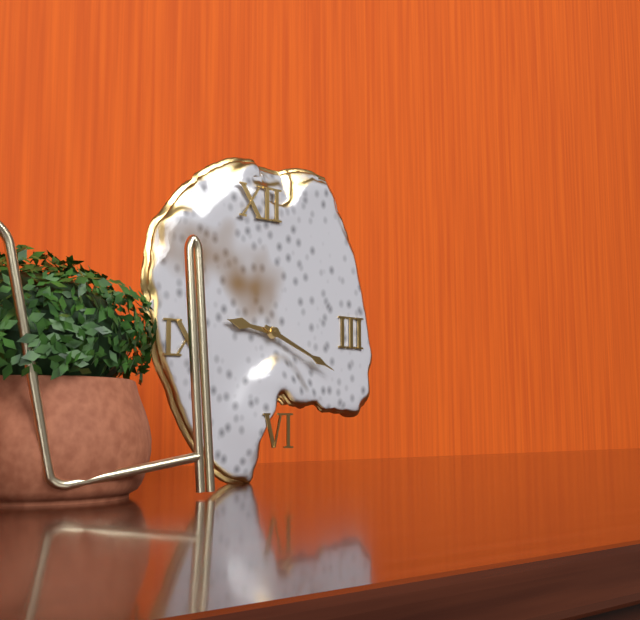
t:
9h19
